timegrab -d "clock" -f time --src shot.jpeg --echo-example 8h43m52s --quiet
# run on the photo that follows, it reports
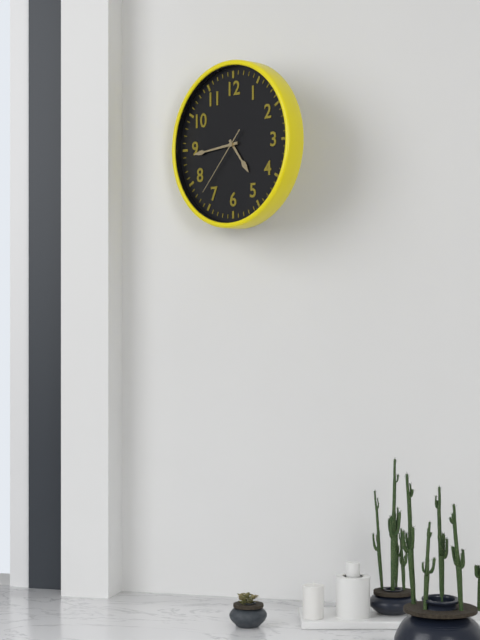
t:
4h44m37s
